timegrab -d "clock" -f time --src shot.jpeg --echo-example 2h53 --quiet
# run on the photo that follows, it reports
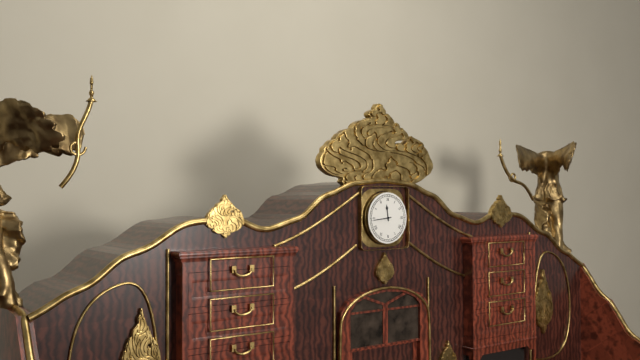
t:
11h44
